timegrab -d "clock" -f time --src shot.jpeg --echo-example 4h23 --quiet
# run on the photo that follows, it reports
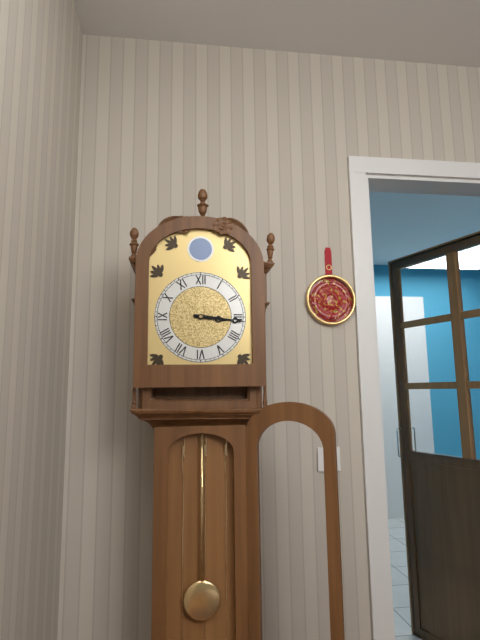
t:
3h16
